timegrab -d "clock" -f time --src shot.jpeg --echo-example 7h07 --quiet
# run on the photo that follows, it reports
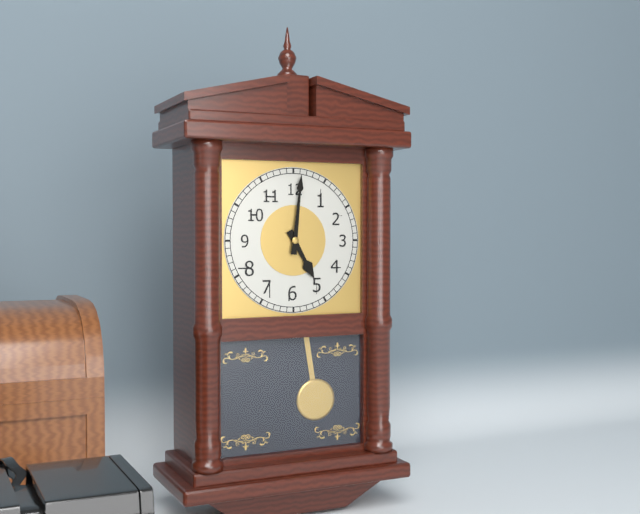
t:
5h01
